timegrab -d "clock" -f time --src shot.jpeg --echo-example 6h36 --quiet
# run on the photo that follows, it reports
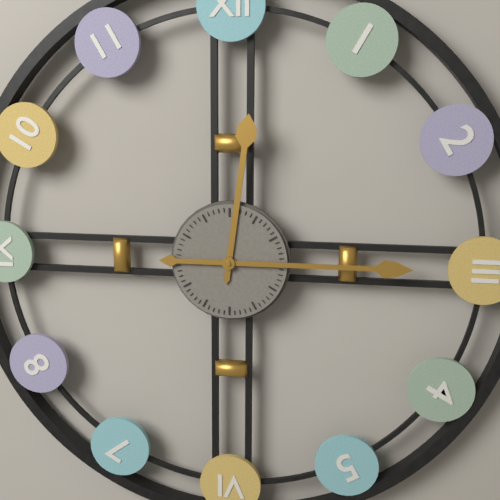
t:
12h15
